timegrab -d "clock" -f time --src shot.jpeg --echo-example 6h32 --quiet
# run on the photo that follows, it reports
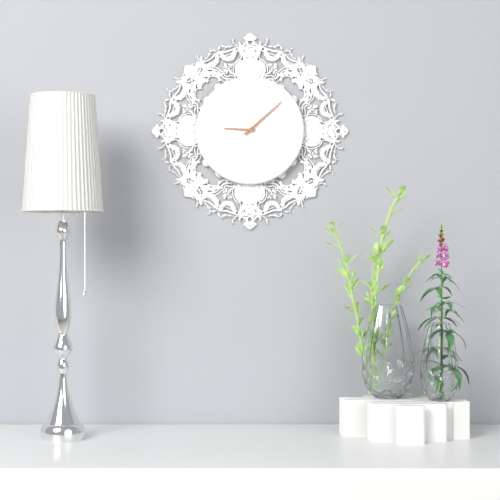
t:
9h08
